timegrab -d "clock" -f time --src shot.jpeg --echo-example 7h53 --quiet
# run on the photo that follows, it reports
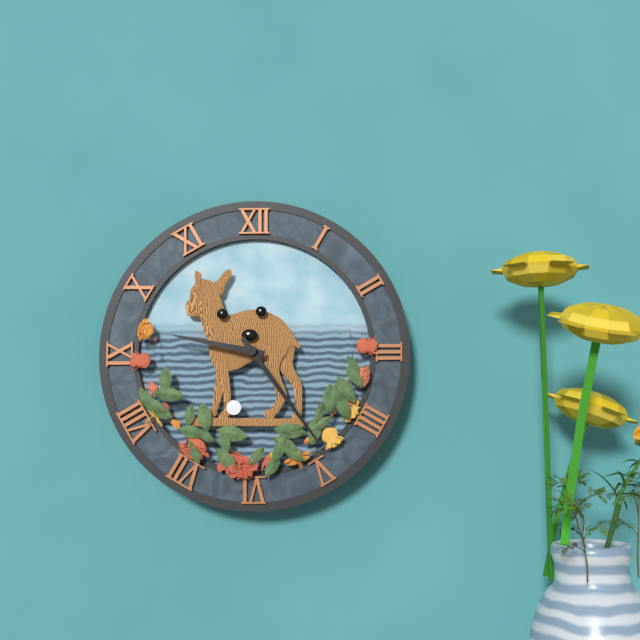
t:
9h24
